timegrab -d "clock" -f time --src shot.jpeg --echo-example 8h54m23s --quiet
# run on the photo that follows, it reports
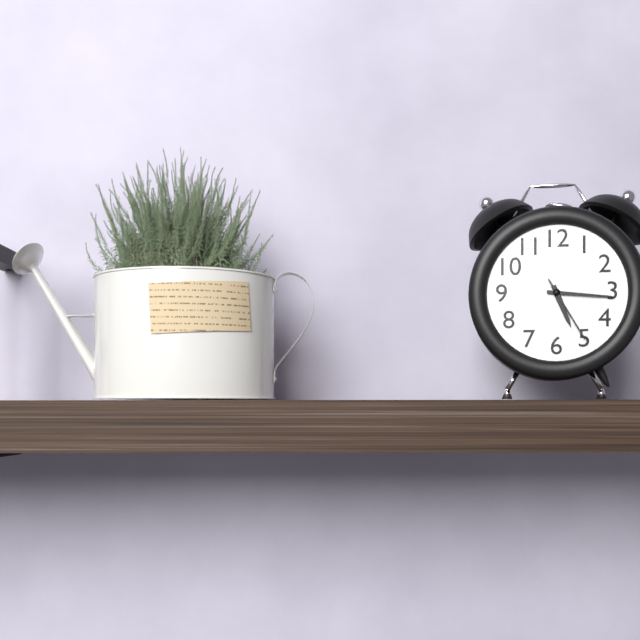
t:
5h16m25s
